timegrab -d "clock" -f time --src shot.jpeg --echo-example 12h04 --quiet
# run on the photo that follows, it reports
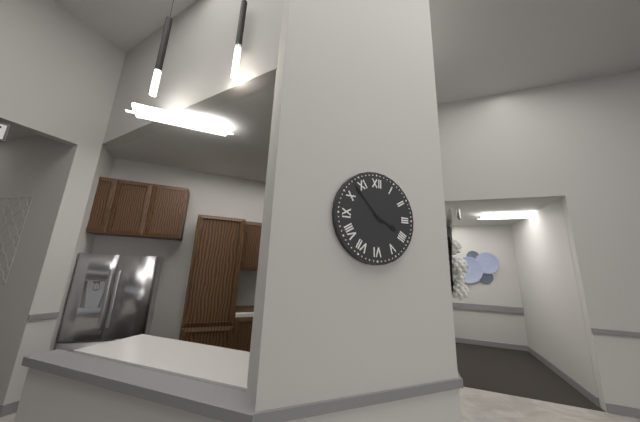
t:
3h53
